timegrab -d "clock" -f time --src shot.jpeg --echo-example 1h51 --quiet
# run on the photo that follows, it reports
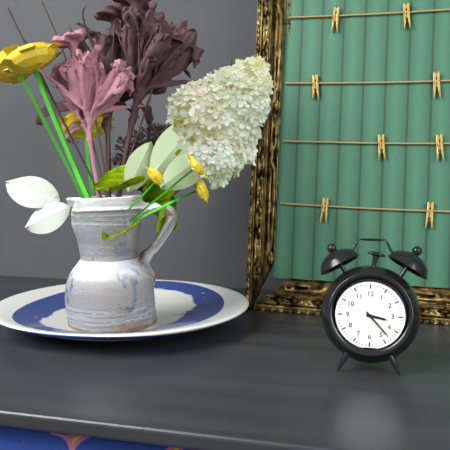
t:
3h23
